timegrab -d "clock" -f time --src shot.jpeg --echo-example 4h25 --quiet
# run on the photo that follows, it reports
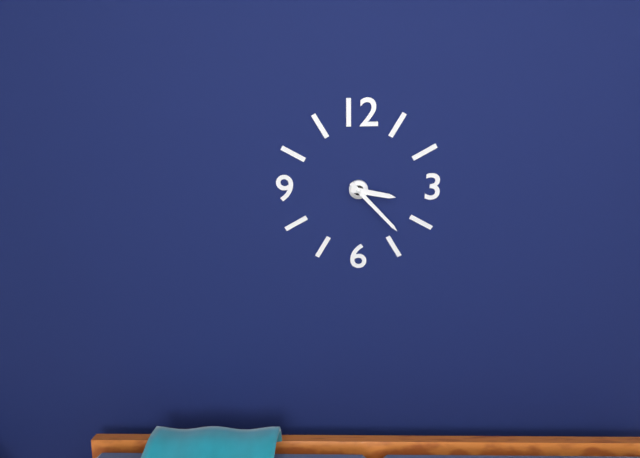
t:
3h23
